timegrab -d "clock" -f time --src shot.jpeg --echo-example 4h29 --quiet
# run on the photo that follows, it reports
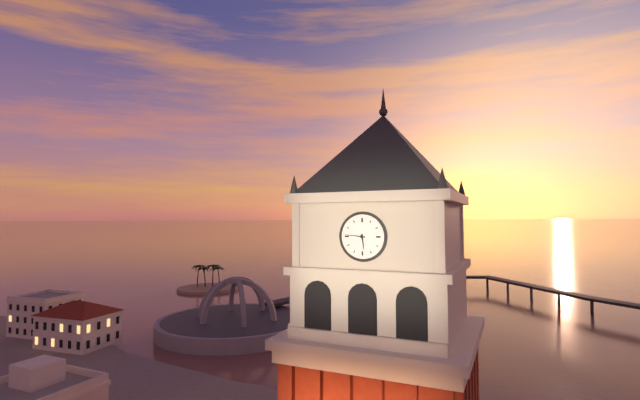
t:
5h46
